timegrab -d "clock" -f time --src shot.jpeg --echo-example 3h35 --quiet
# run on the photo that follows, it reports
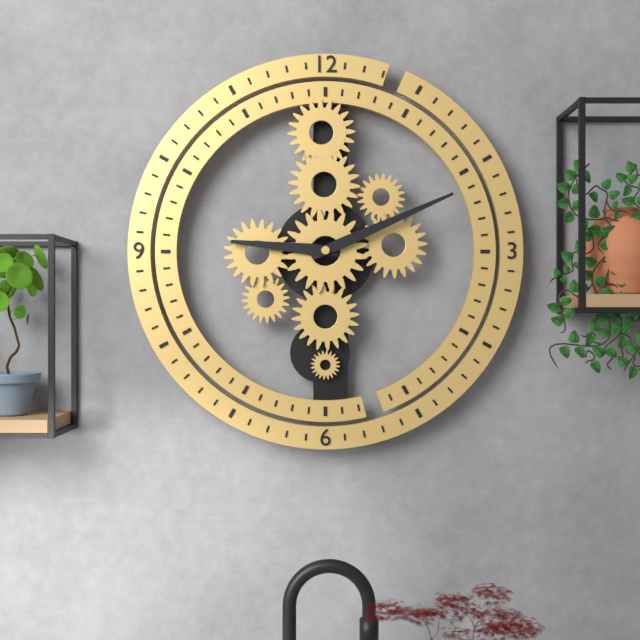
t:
9h11
